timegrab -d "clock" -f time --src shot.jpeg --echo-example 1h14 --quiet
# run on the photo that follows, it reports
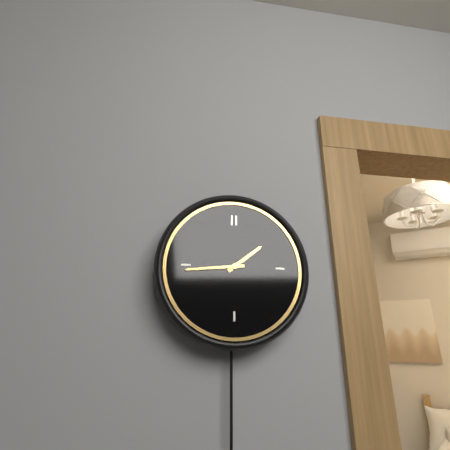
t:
1h44
